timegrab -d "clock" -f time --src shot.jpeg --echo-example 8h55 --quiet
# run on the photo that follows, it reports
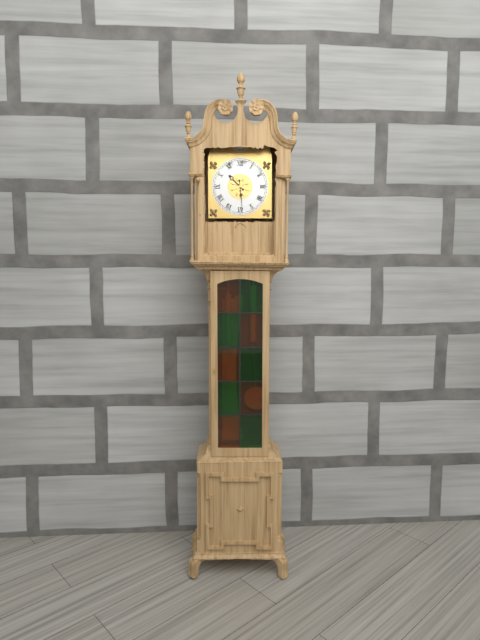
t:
10h29
